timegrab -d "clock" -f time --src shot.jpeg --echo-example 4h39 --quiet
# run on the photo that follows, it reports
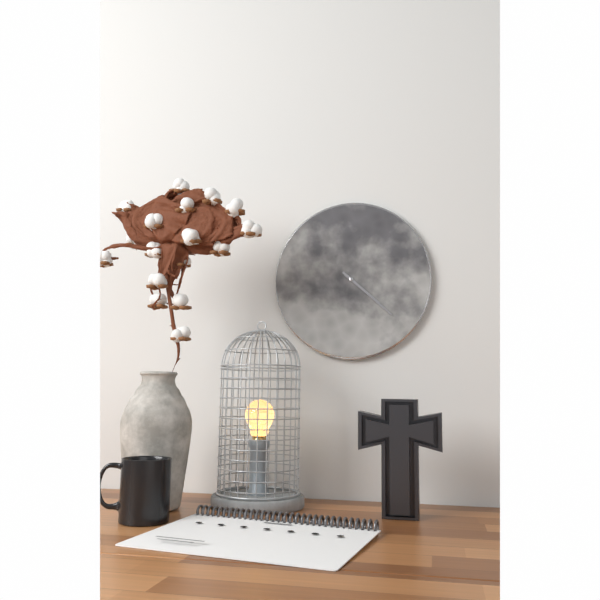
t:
4h22
